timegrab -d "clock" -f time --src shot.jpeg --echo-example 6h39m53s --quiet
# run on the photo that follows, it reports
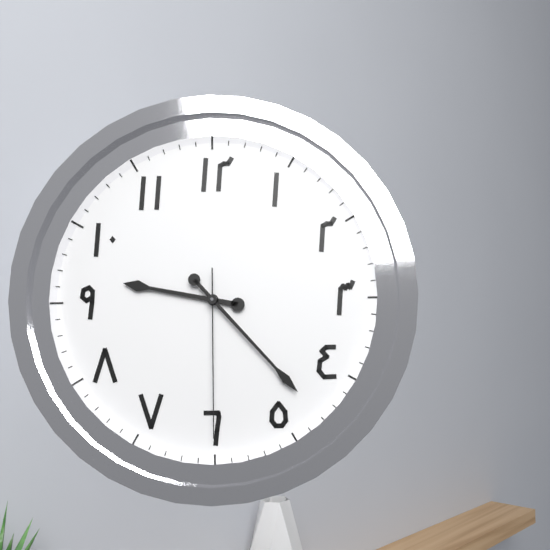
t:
9h23m30s
